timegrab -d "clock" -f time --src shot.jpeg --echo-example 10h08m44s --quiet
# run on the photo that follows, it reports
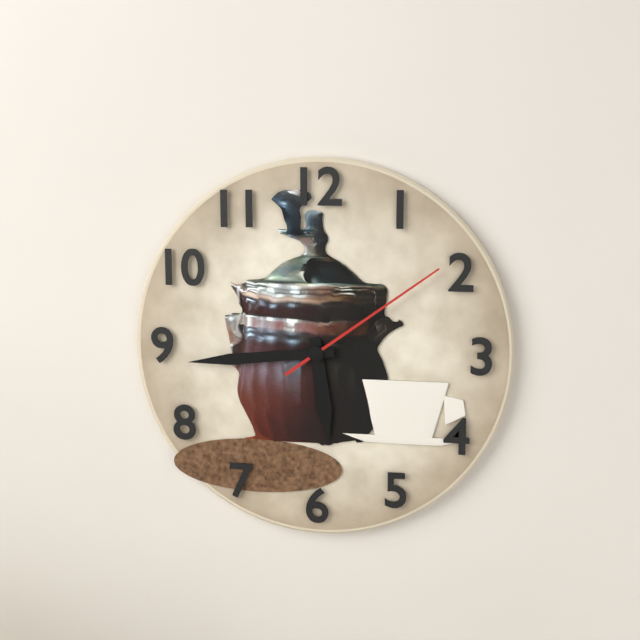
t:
5h44m09s
